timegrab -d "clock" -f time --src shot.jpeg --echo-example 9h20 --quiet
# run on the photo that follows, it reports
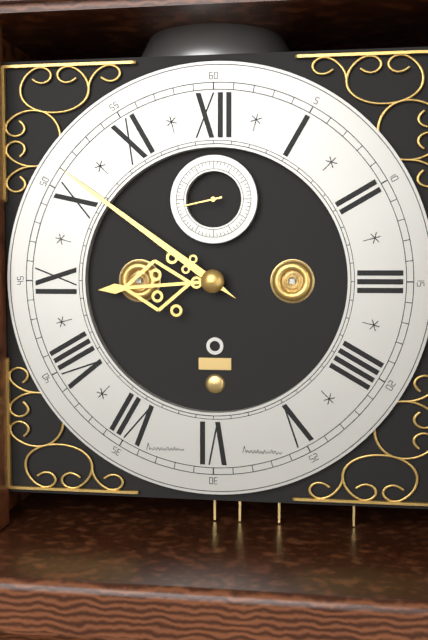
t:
8h51
